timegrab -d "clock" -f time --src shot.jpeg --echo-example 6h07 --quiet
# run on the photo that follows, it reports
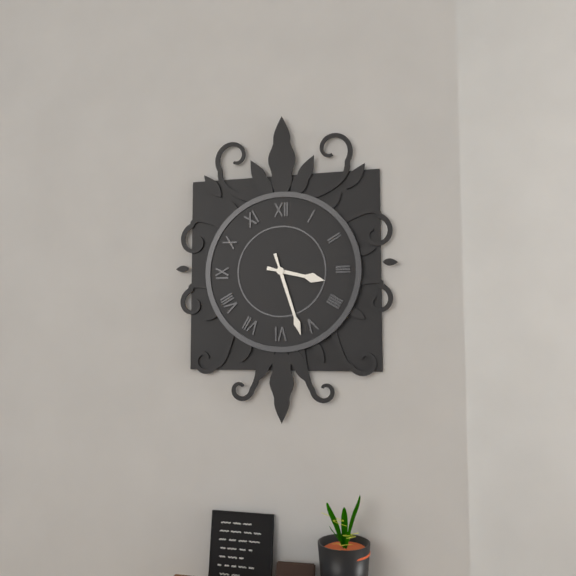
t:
3h27
